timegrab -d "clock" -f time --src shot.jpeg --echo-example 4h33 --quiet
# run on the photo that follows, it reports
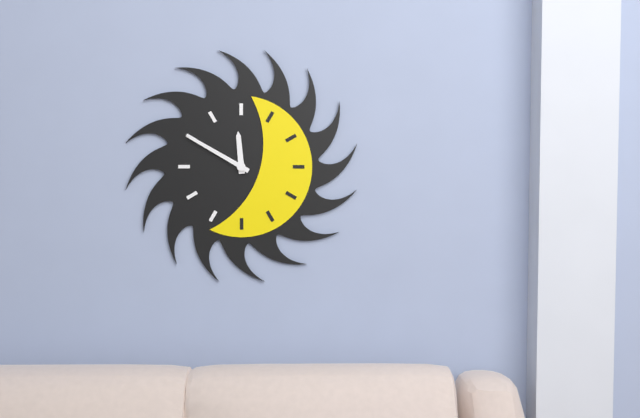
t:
11h50
